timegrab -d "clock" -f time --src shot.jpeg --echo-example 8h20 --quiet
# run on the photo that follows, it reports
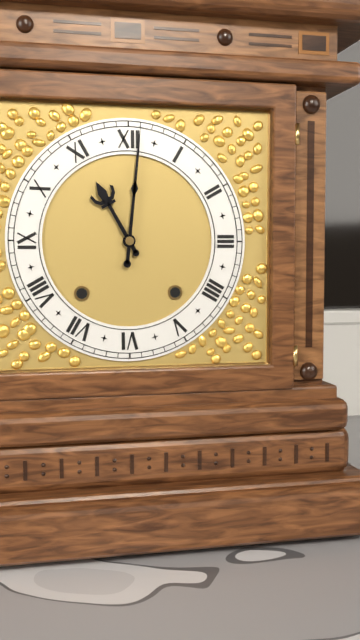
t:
11h01
